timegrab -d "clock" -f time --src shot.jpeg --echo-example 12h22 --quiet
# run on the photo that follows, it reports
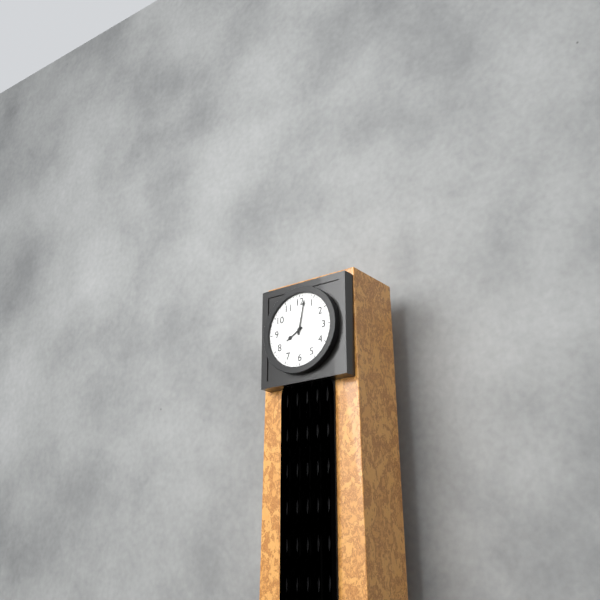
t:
8h02
